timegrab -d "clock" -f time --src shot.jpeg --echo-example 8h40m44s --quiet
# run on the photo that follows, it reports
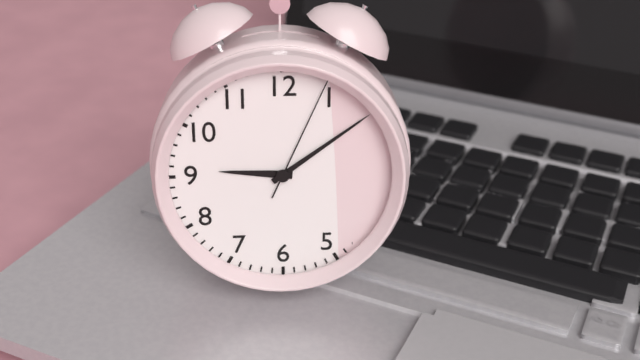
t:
9h09m04s
